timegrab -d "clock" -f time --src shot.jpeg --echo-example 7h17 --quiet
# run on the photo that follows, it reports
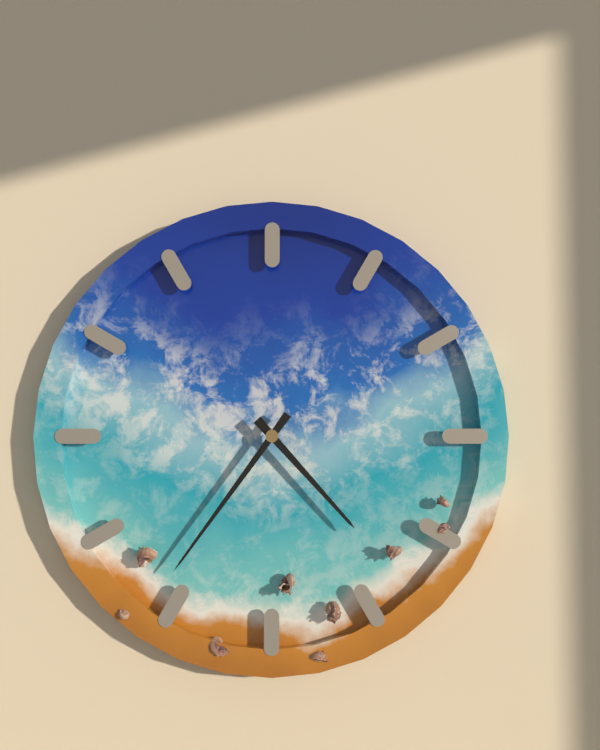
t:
4h36
